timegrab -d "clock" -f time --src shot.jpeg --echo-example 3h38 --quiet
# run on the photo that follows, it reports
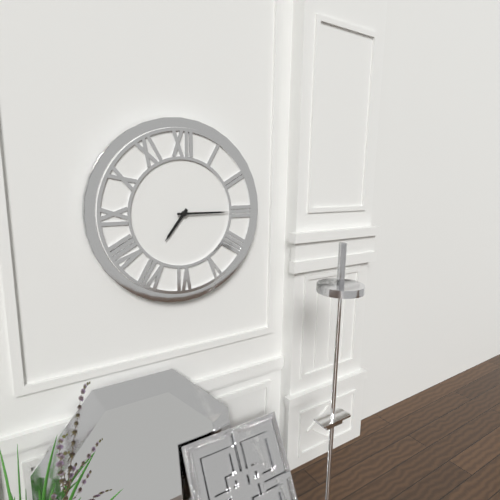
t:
7h15
